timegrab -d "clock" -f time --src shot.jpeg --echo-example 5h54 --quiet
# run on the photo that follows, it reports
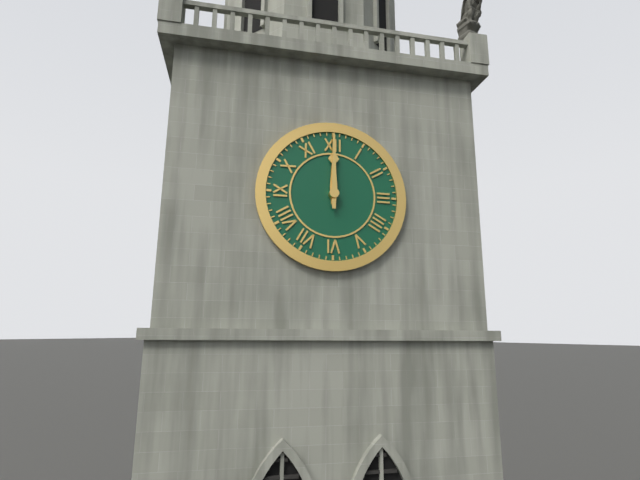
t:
12h00
